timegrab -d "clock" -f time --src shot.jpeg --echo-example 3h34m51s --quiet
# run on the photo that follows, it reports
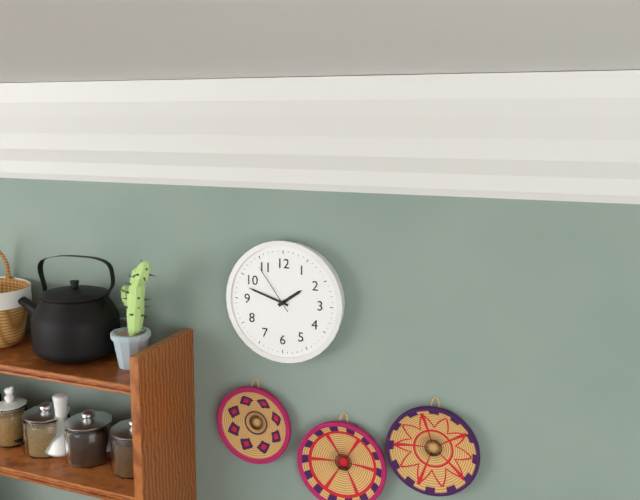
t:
1h48m54s
